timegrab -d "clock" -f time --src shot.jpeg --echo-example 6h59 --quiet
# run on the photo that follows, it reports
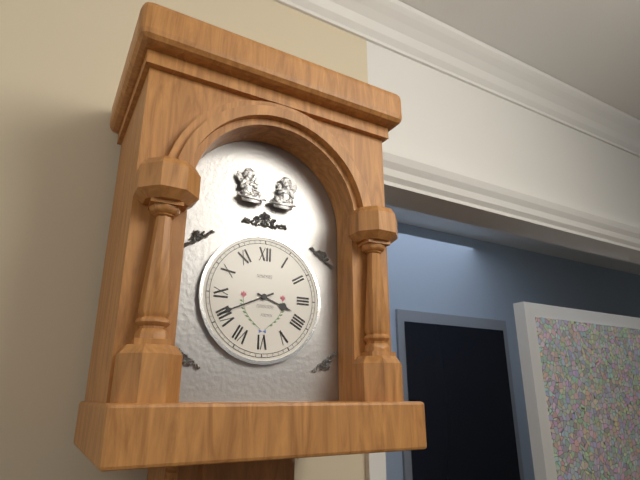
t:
3h41
